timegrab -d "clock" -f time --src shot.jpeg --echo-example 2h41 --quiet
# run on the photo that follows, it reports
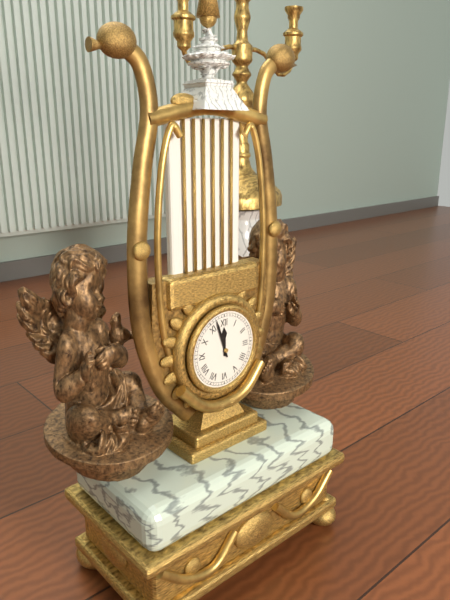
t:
11h57
